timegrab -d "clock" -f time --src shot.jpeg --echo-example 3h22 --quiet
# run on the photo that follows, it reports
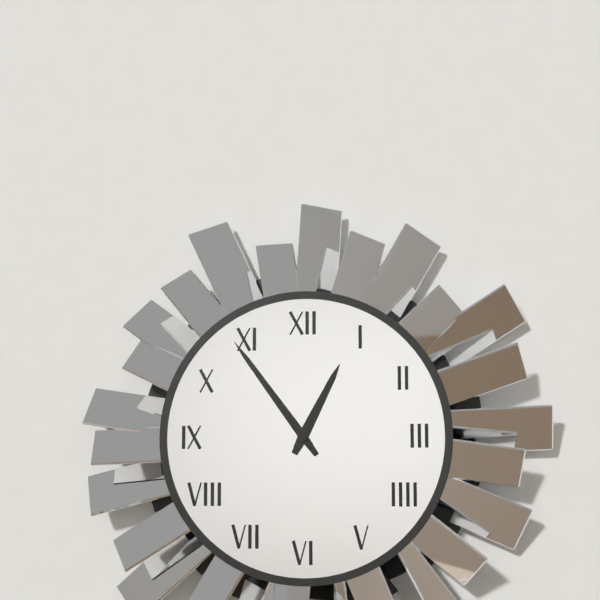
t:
12h54
